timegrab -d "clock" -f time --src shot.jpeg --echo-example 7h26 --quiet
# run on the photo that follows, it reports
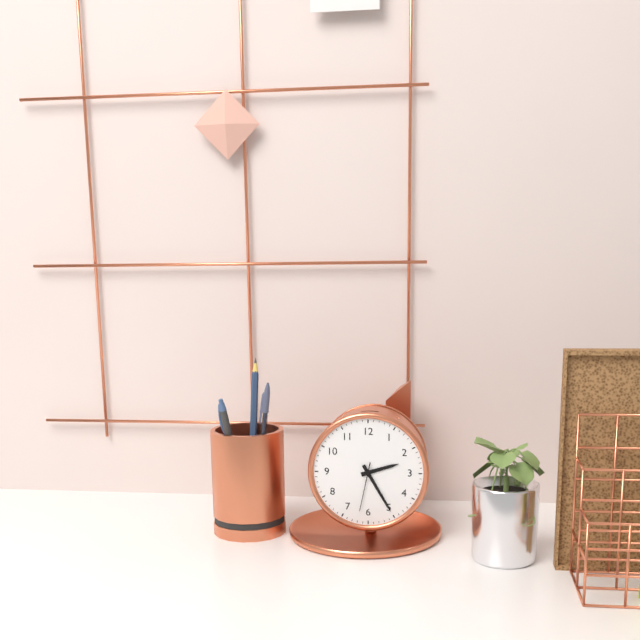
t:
2h25
